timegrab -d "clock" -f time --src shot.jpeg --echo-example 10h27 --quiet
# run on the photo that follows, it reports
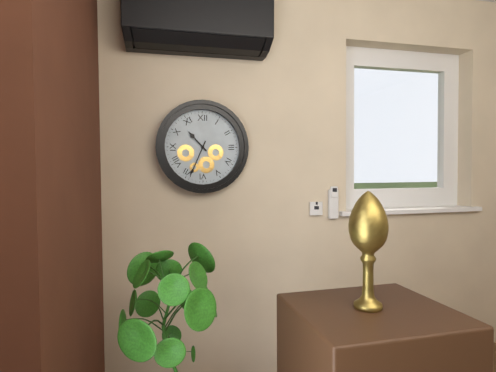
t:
10h34
